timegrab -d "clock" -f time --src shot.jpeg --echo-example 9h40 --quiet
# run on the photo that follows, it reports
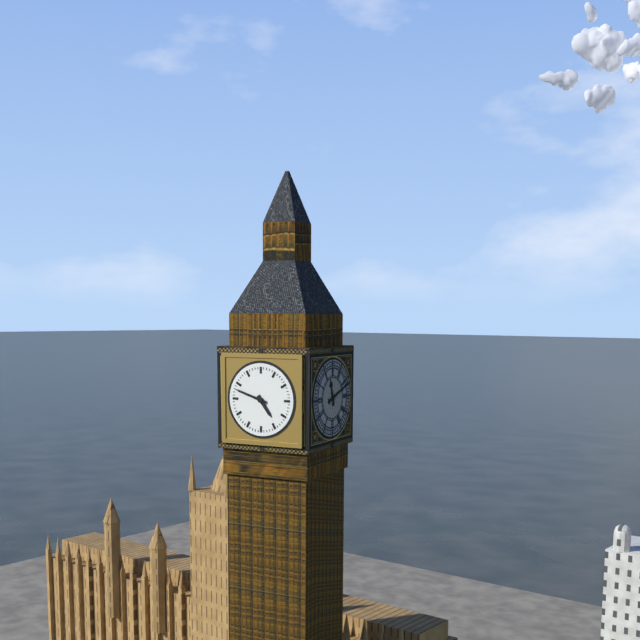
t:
4h48
